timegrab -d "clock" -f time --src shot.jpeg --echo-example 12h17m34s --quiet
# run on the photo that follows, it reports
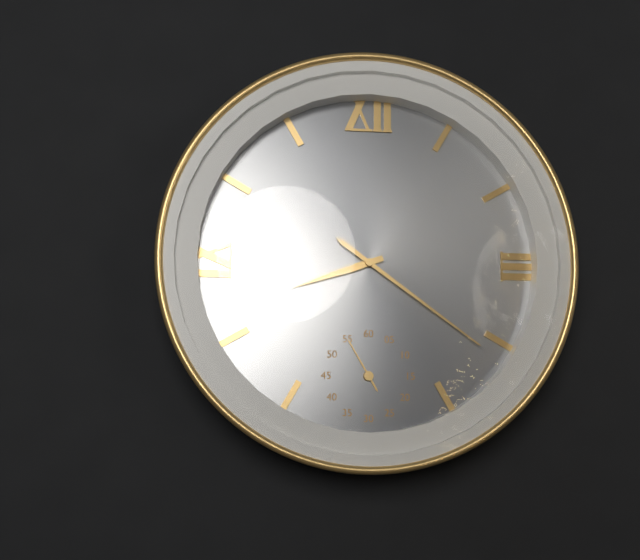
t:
8h21m55s
